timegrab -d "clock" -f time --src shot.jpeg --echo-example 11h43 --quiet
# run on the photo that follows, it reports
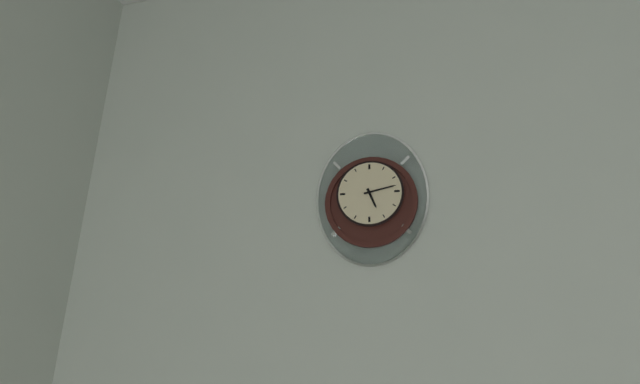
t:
5h13
